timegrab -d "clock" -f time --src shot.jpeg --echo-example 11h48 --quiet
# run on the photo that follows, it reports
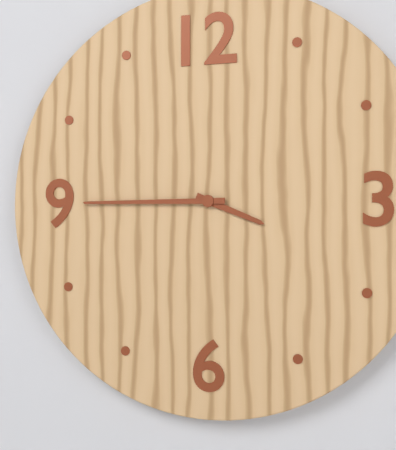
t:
3h45
